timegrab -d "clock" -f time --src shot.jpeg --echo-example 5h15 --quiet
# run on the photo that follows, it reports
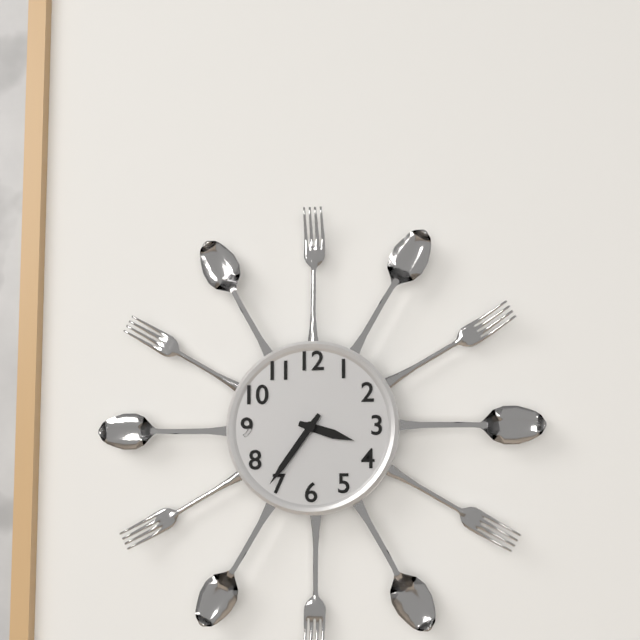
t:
3h36
